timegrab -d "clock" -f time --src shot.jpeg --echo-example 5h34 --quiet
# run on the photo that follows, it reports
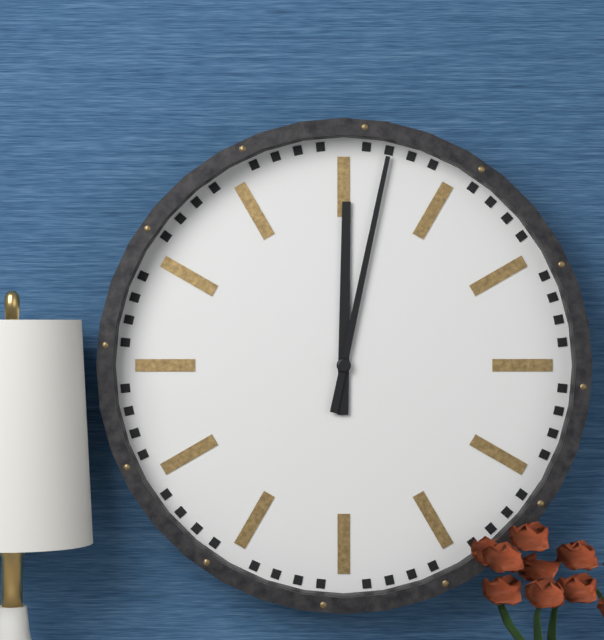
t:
12h02
